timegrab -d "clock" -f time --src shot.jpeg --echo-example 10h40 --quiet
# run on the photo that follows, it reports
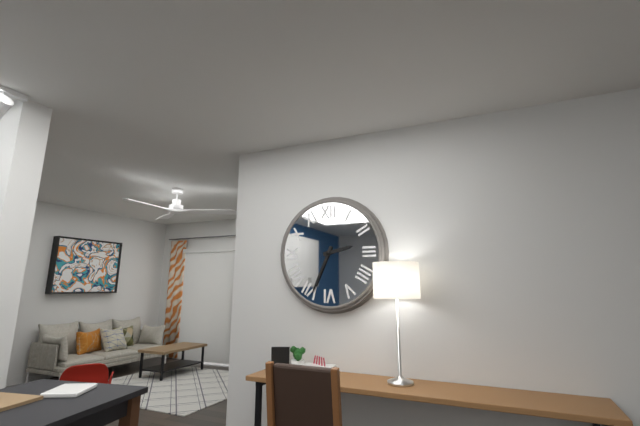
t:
2h34
